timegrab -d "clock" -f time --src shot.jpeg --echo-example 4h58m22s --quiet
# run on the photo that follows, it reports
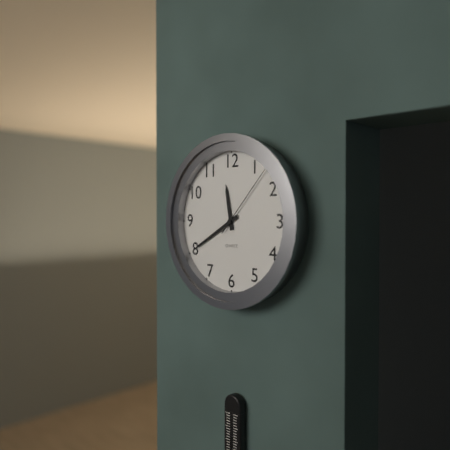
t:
11h40m07s
